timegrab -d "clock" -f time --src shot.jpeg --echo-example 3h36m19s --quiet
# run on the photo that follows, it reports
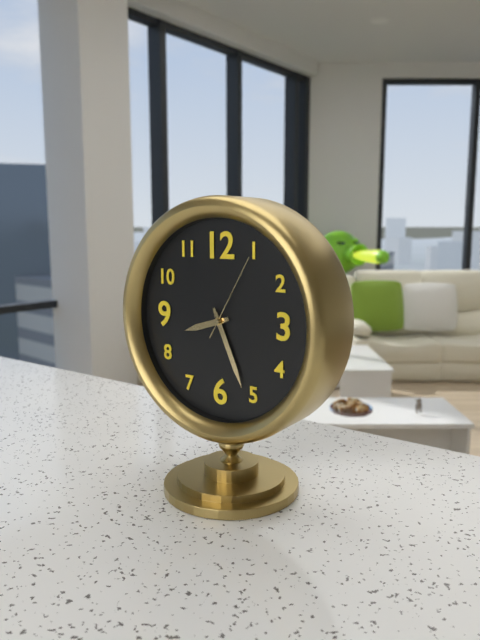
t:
8h26m05s
